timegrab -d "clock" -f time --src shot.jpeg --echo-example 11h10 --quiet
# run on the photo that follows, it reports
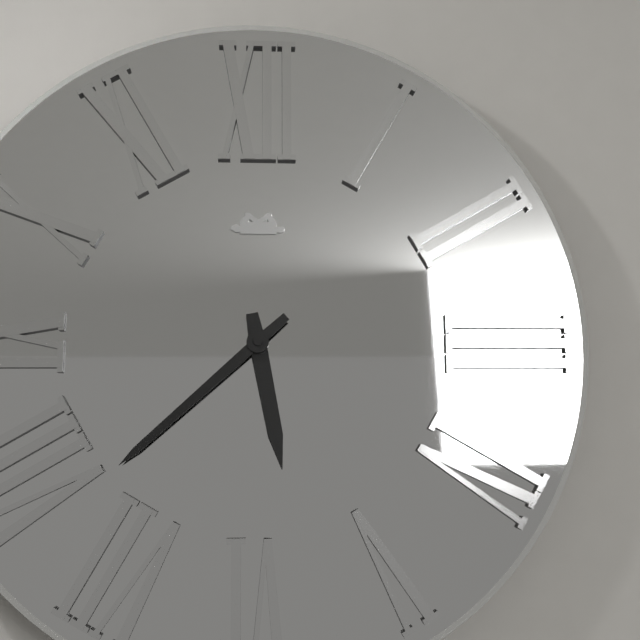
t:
5h38
